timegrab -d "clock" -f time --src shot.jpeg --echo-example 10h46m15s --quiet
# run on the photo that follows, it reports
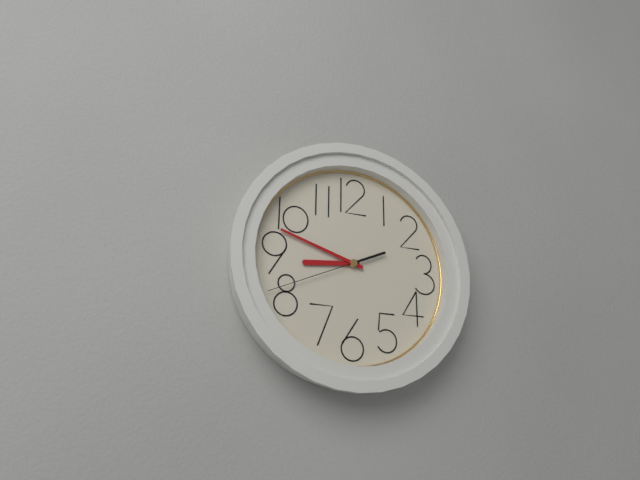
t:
8h48m41s
